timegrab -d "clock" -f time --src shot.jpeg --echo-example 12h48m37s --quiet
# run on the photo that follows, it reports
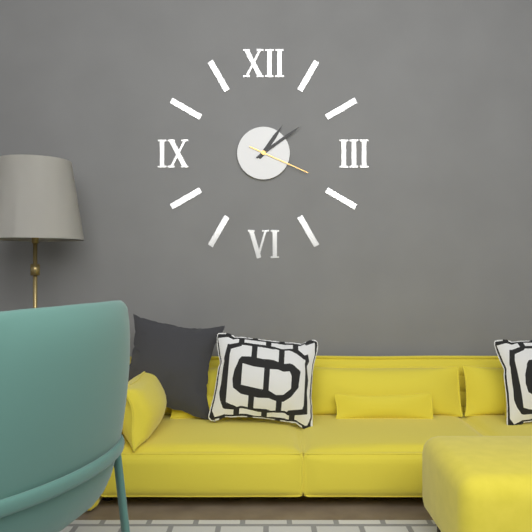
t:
1h09m19s
